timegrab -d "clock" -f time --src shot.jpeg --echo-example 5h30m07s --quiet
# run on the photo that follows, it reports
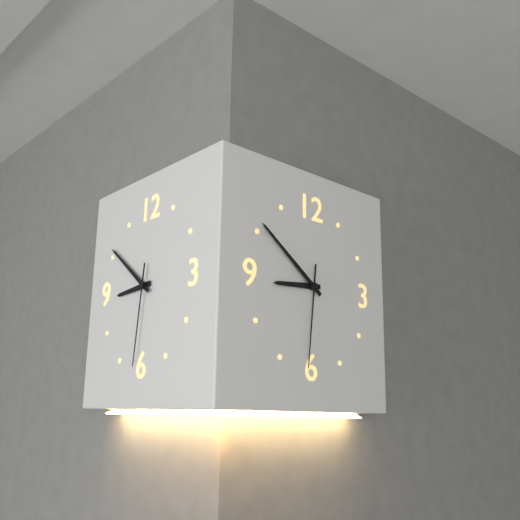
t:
8h51m31s
